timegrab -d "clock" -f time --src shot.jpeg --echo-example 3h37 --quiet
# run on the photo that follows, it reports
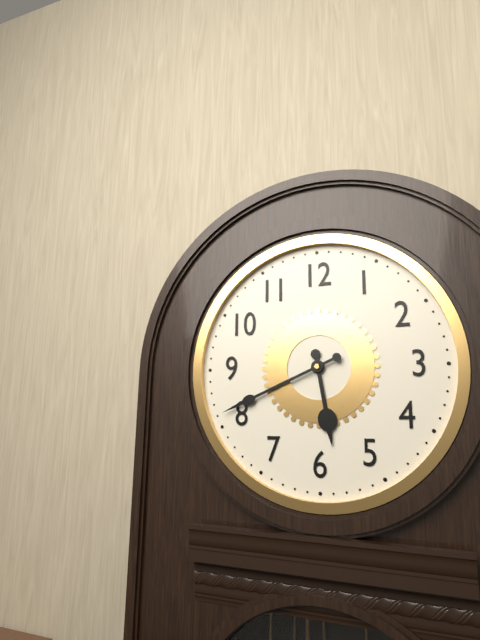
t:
5h41
